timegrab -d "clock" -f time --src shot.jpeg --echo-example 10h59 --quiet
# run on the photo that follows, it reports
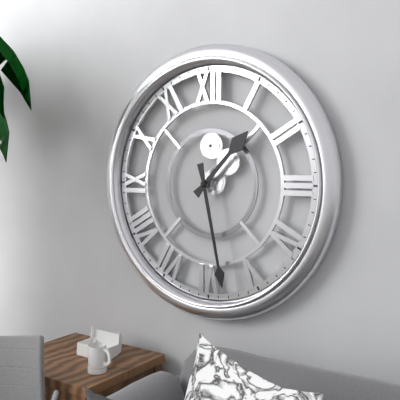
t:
1h28
